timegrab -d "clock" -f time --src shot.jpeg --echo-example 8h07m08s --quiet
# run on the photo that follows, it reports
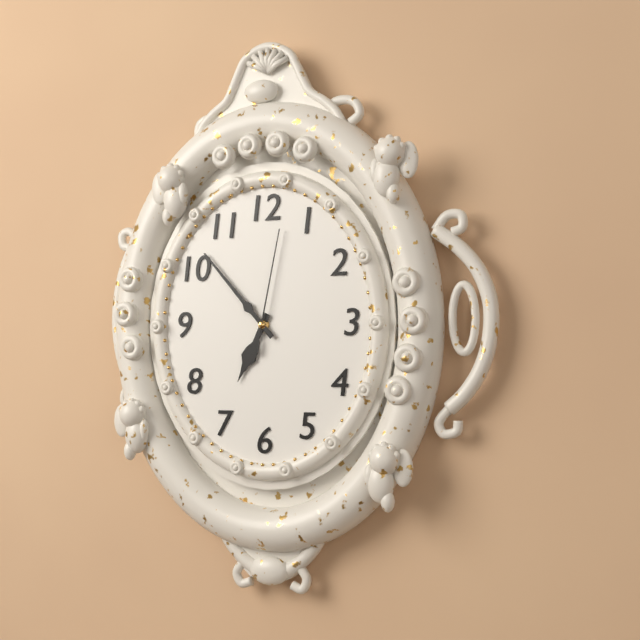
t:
6h53m02s
